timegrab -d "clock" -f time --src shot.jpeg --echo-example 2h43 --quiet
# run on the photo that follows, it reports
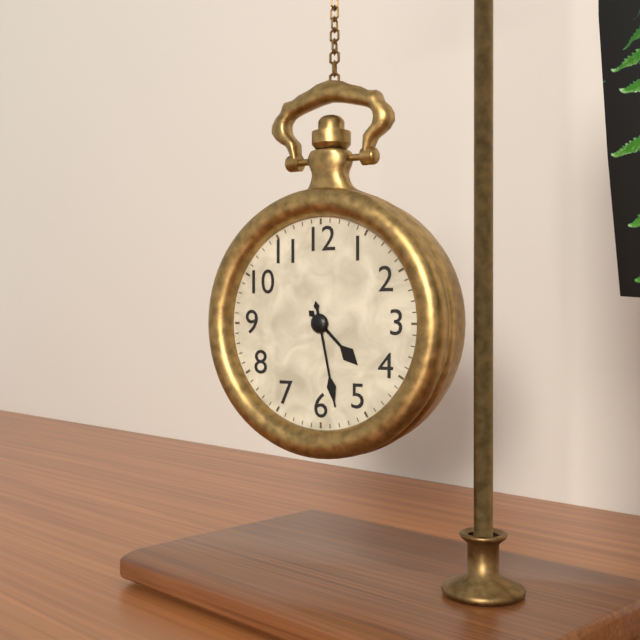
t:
4h28
